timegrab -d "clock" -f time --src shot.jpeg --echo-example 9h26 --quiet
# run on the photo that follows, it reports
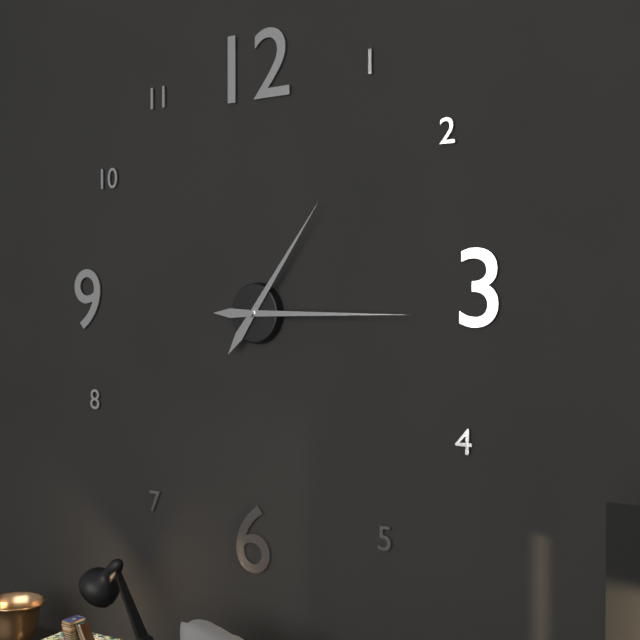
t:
1h15
